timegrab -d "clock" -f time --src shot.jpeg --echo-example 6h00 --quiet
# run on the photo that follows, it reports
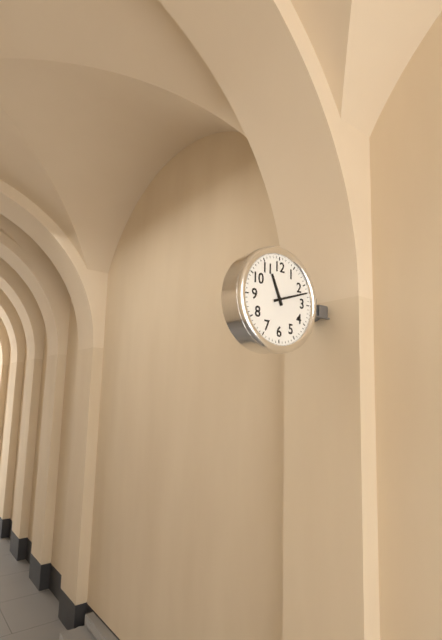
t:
11h12
